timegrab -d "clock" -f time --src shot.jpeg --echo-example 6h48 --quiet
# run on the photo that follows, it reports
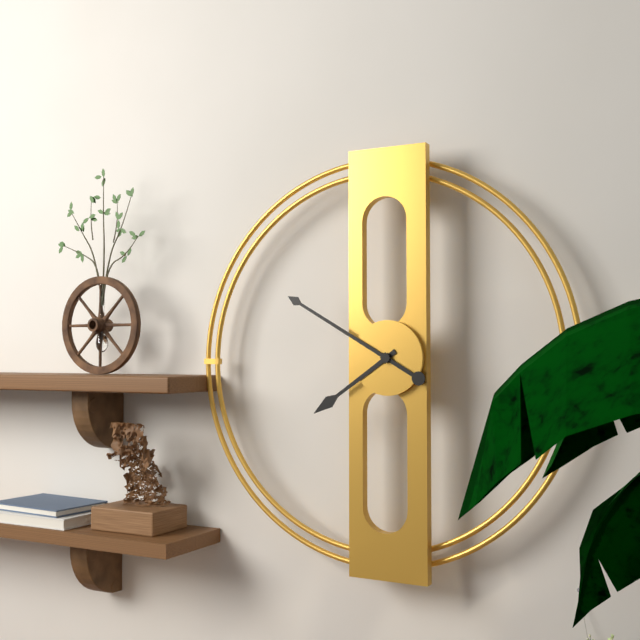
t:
7h50
